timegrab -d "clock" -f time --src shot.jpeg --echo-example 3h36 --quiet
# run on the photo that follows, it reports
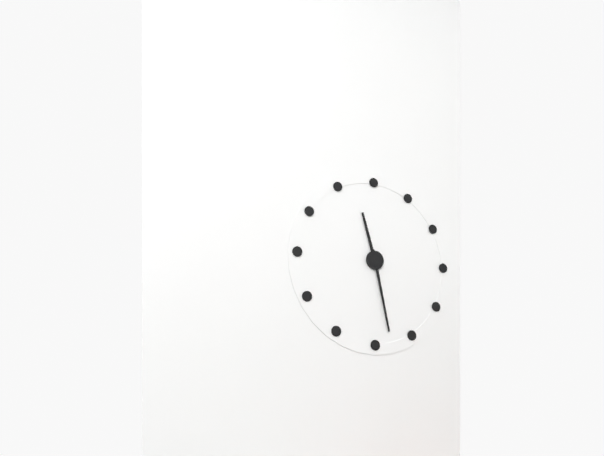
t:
11h28
